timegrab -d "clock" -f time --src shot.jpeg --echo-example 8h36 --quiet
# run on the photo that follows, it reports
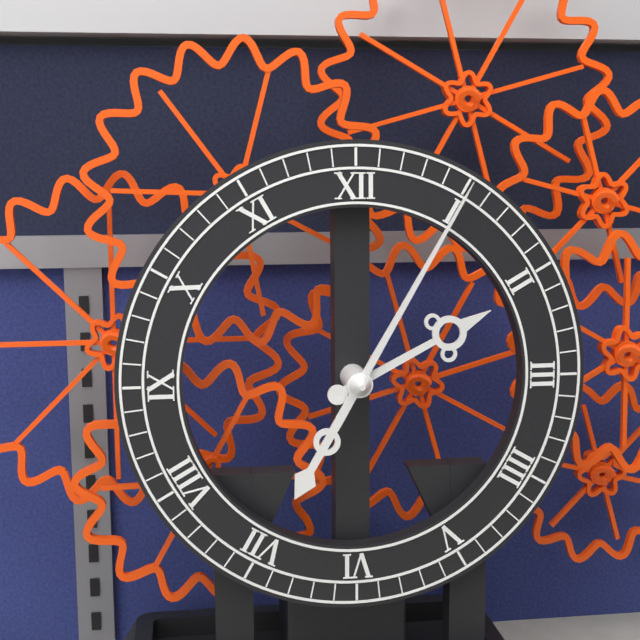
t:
2h05
